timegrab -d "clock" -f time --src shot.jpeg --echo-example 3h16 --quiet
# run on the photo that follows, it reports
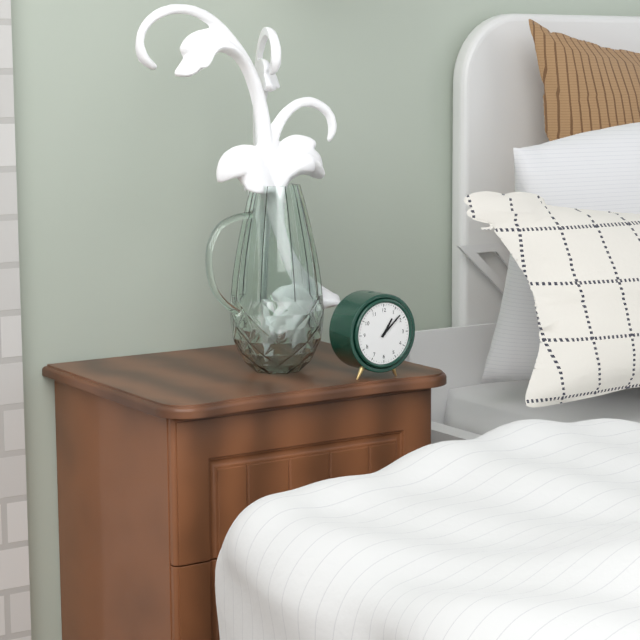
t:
1h08
